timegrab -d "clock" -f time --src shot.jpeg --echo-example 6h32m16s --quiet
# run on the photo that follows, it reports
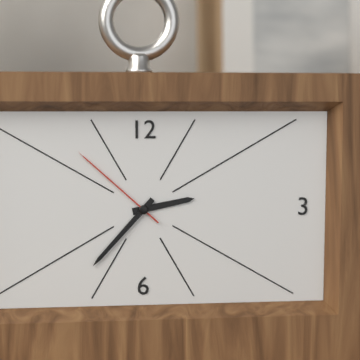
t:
2h37m52s
